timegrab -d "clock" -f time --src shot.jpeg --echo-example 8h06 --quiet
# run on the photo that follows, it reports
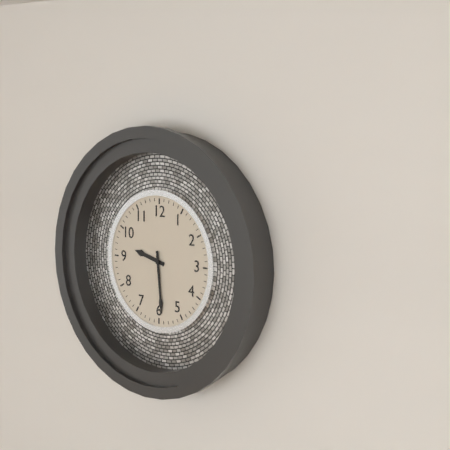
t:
9h29
